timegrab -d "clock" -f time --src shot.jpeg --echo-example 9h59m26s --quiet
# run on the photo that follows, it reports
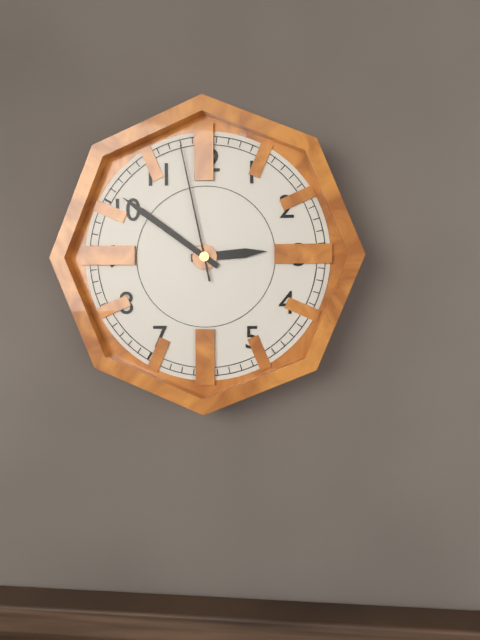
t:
2h51m58s
